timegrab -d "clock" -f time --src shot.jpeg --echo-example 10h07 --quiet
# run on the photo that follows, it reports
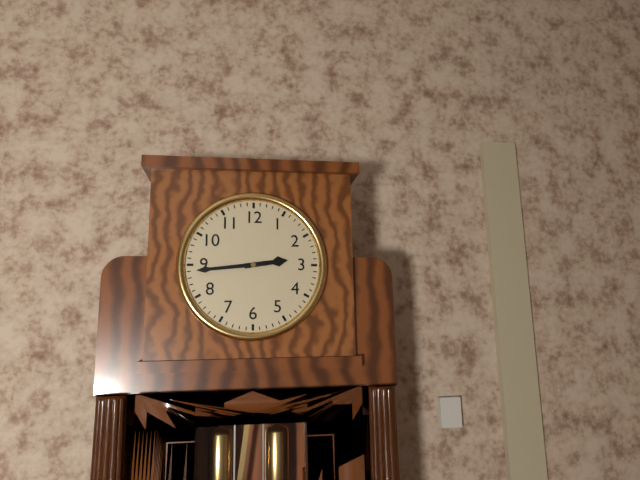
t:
2h44
